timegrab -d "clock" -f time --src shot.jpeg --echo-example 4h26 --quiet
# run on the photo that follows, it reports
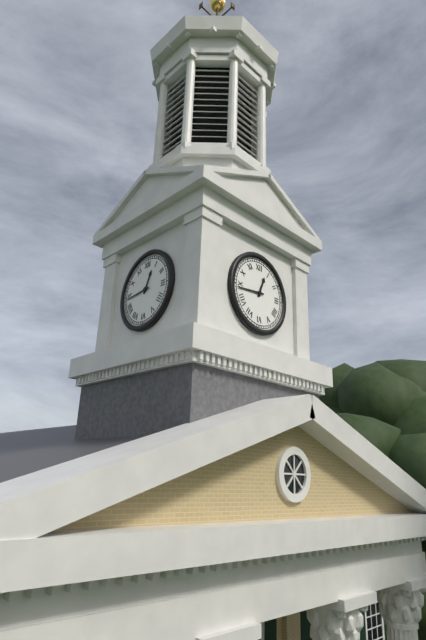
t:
12h44
